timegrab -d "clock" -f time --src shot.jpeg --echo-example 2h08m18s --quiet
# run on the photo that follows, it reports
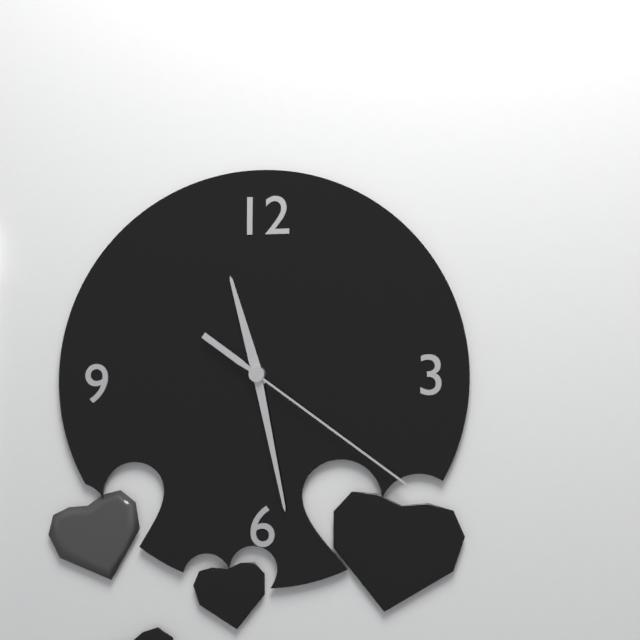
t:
11h28m21s
